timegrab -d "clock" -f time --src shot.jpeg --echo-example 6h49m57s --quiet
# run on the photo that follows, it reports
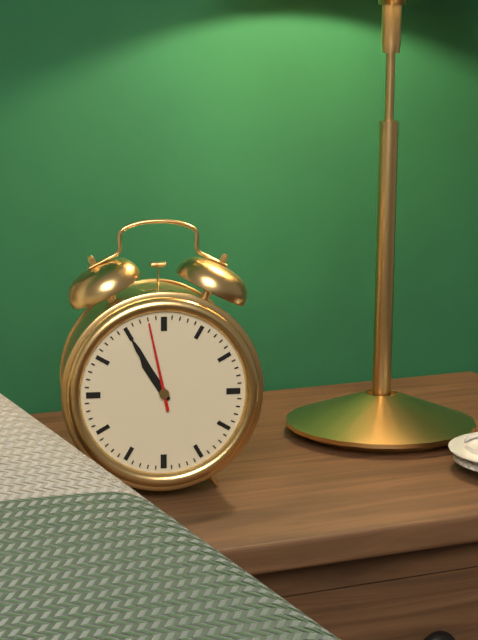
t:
10h55m58s
